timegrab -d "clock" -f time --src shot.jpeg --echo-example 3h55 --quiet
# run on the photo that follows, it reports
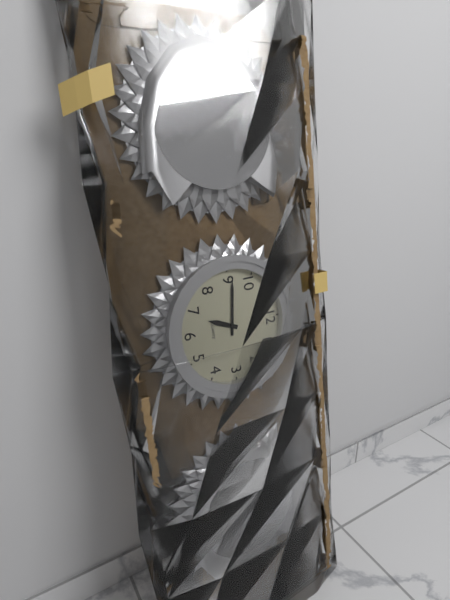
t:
6h46
